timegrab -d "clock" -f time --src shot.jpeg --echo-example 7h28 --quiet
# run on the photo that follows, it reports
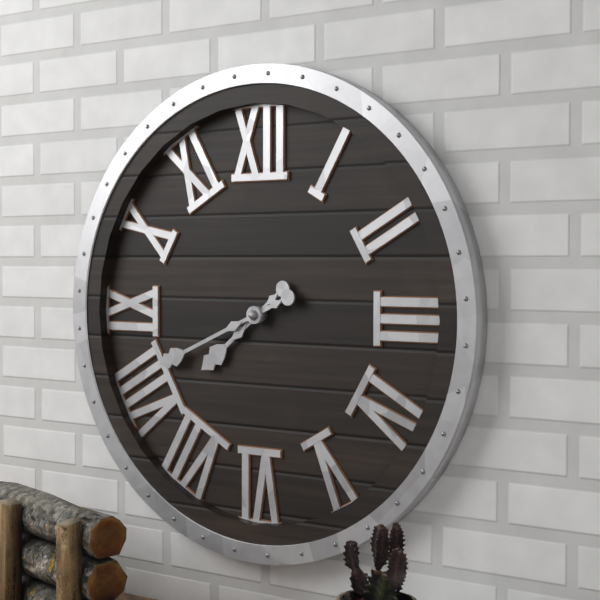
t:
7h41
